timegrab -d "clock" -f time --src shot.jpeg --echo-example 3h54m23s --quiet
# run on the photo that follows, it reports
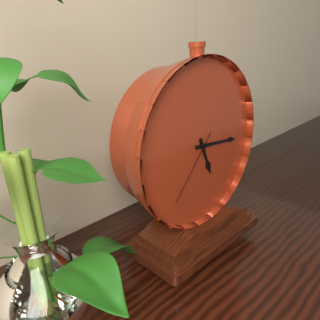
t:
5h16m37s
